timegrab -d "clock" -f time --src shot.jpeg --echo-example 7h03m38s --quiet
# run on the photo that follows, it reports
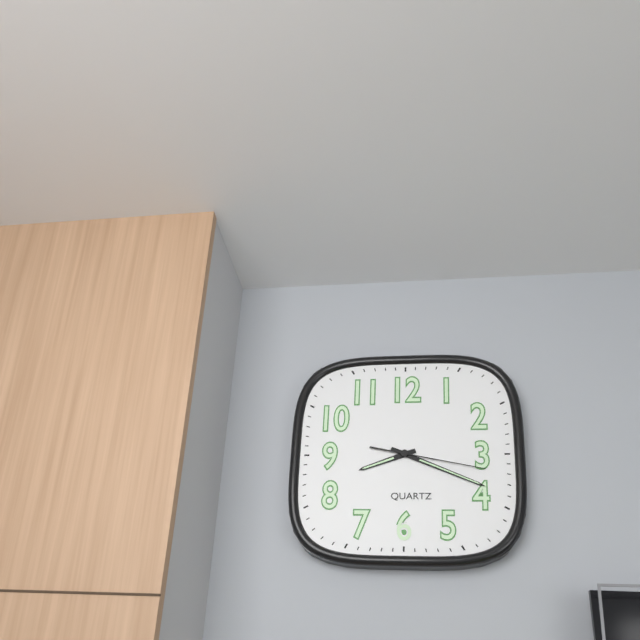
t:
8h19m17s
